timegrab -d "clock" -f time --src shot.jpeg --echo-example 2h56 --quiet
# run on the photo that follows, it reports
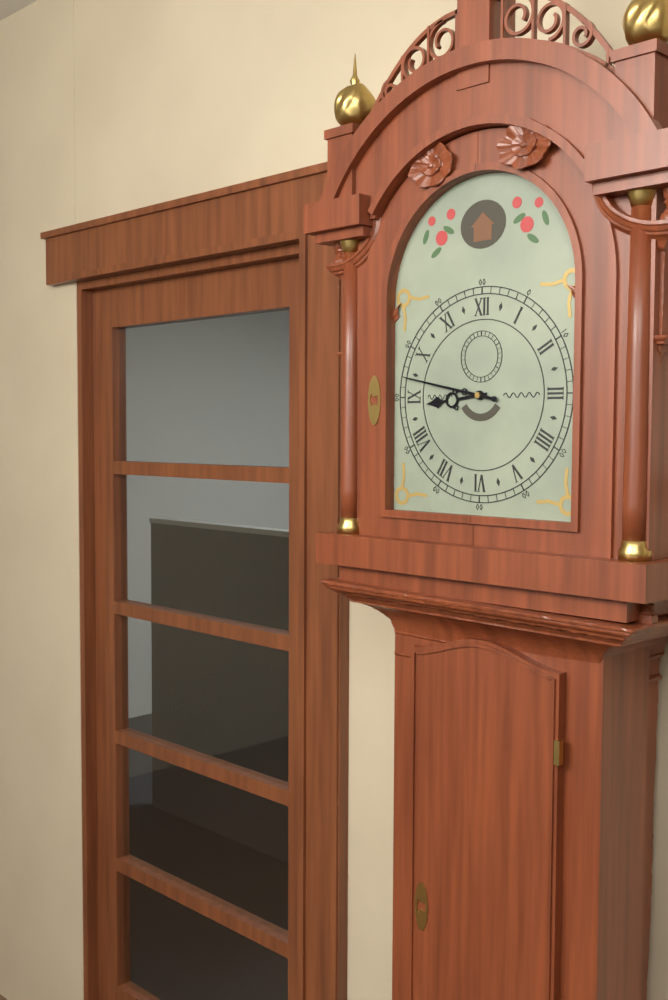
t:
8h47
